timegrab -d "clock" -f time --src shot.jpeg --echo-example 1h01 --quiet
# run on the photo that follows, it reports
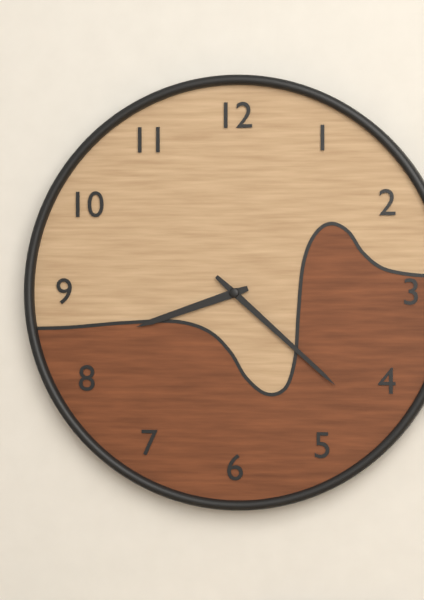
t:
8h22
